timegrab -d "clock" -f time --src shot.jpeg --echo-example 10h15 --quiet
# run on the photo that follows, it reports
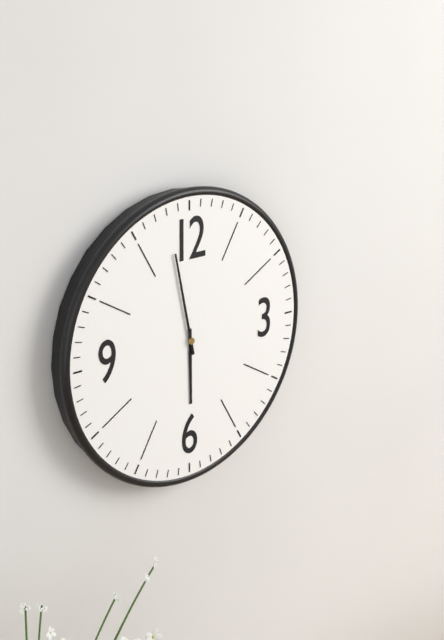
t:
5h58
